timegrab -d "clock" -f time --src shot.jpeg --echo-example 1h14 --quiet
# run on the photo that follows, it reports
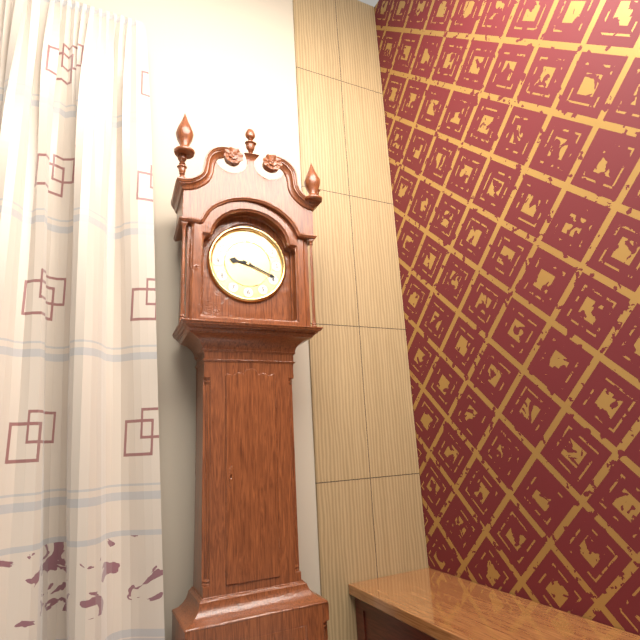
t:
9h19
